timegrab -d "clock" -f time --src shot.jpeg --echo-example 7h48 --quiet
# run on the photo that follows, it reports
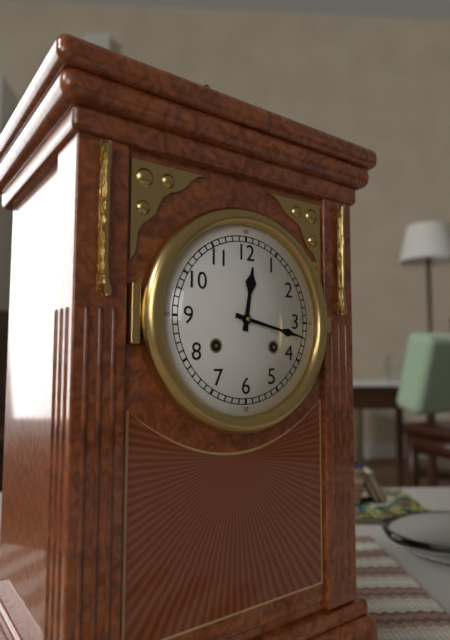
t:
12h17
